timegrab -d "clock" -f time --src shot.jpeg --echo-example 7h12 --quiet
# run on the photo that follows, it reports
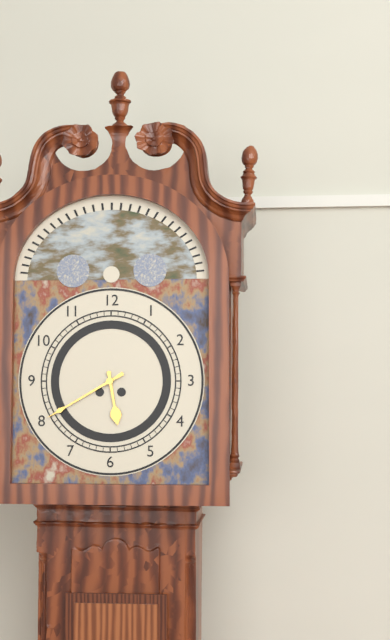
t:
5h40
